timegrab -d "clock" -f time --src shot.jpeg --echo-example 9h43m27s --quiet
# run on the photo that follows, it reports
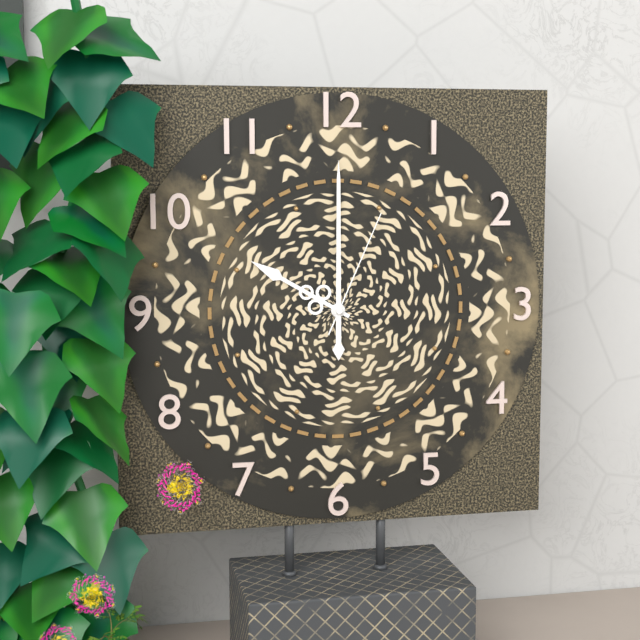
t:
10h00m04s
